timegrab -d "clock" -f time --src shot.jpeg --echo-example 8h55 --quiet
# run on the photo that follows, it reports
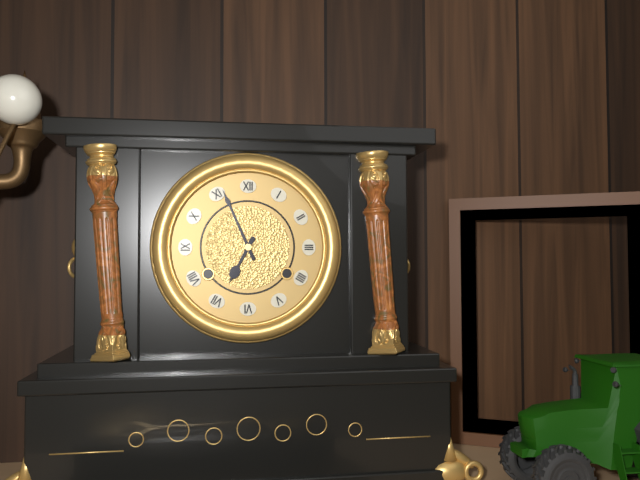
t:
6h56
